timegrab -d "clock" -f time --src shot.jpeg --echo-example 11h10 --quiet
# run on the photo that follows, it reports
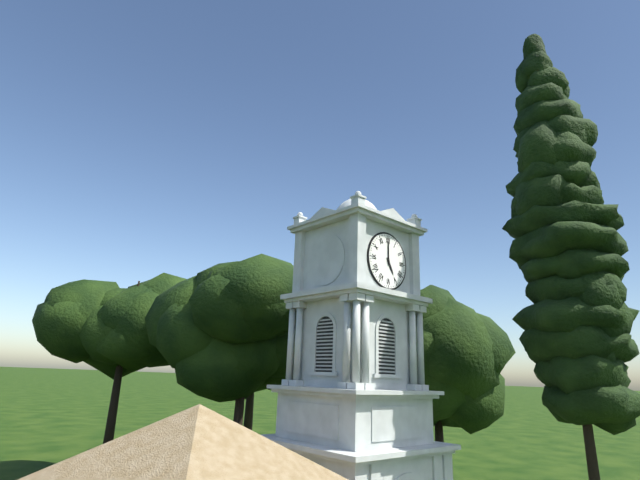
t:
5h00
